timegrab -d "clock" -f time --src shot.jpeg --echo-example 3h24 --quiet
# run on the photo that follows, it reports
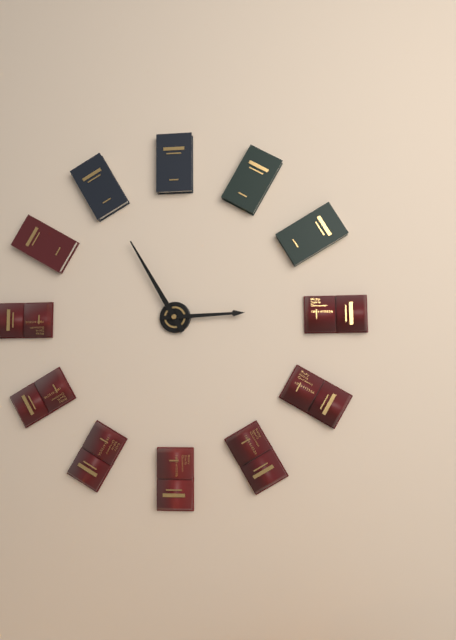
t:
2h55
